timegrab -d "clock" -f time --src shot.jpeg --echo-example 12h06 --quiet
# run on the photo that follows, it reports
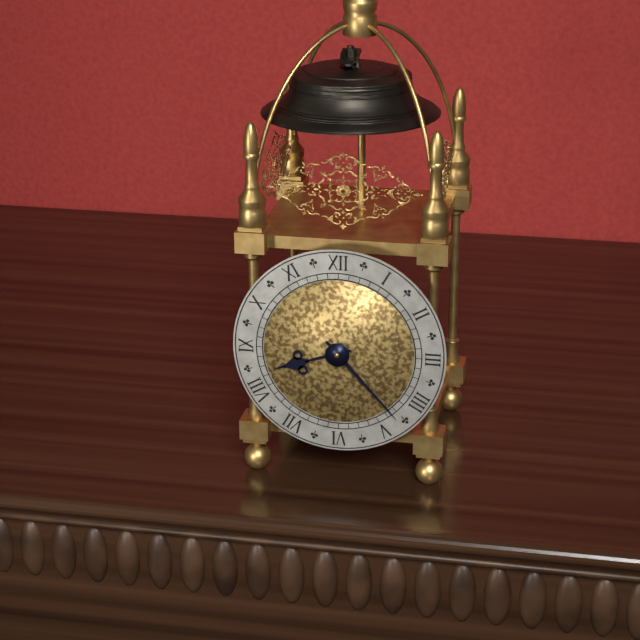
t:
8h23
